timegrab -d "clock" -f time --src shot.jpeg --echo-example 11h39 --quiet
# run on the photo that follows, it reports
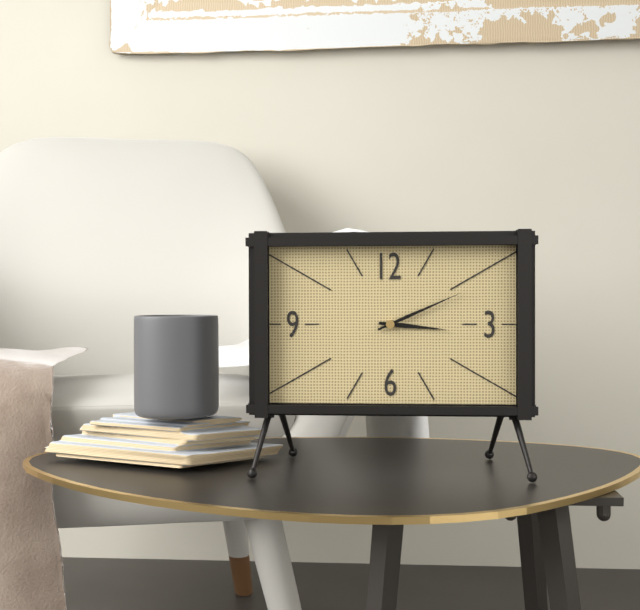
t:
3h11
